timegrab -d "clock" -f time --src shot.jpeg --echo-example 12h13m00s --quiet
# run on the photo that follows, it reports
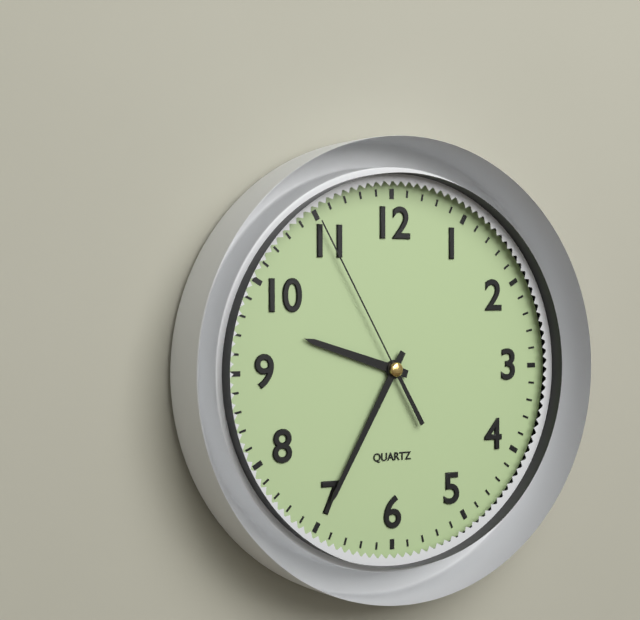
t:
9h35m55s
